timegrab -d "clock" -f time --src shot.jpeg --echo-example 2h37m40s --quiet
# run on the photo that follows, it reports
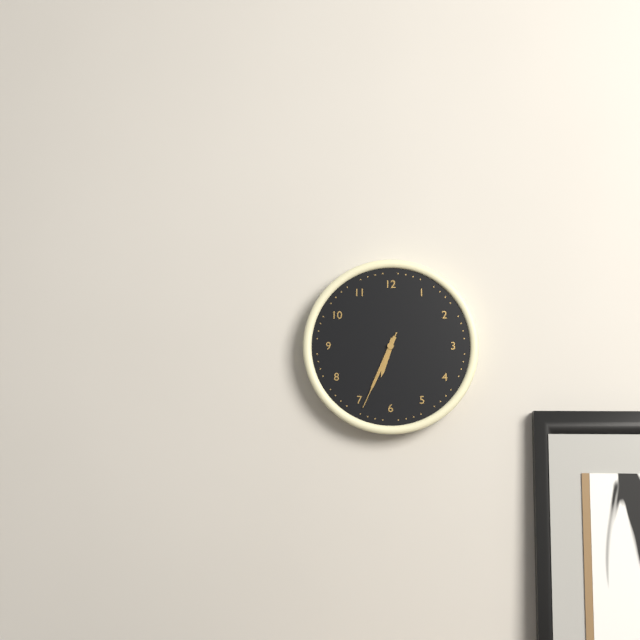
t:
6h34m34s
